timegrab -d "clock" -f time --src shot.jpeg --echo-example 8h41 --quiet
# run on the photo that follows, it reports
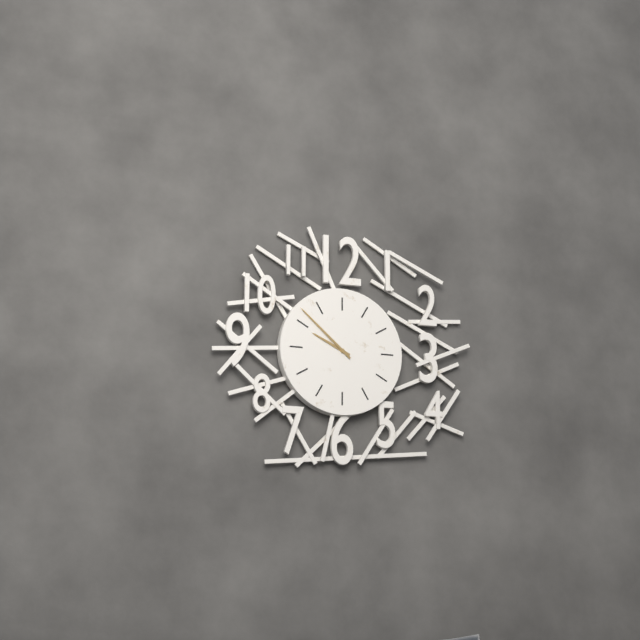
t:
9h52
